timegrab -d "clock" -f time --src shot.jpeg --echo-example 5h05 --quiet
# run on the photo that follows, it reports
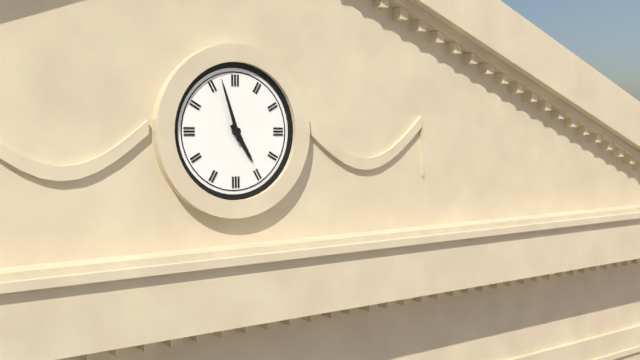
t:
4h57
